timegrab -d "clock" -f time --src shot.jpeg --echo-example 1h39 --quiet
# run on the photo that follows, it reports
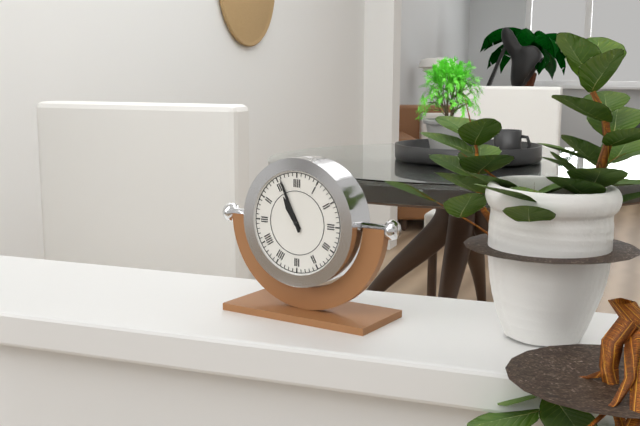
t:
10h56
